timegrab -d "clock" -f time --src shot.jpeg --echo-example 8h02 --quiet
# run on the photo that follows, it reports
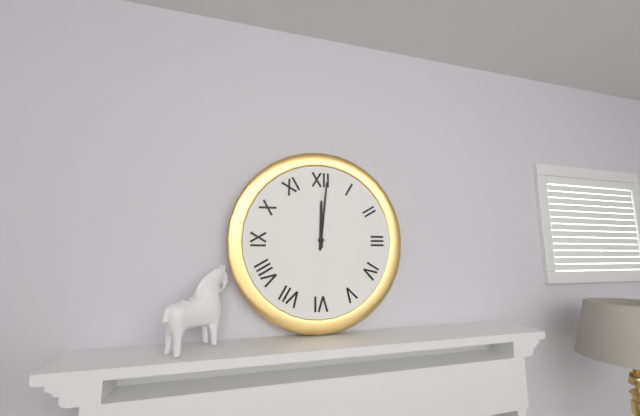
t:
12h01
